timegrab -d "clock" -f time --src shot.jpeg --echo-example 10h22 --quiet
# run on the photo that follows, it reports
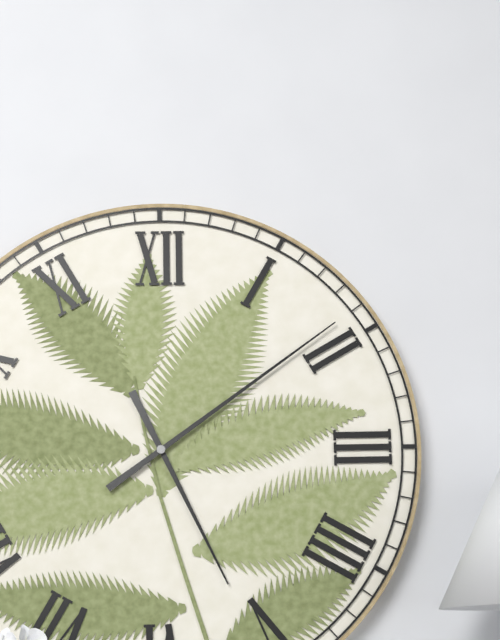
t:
5h09
